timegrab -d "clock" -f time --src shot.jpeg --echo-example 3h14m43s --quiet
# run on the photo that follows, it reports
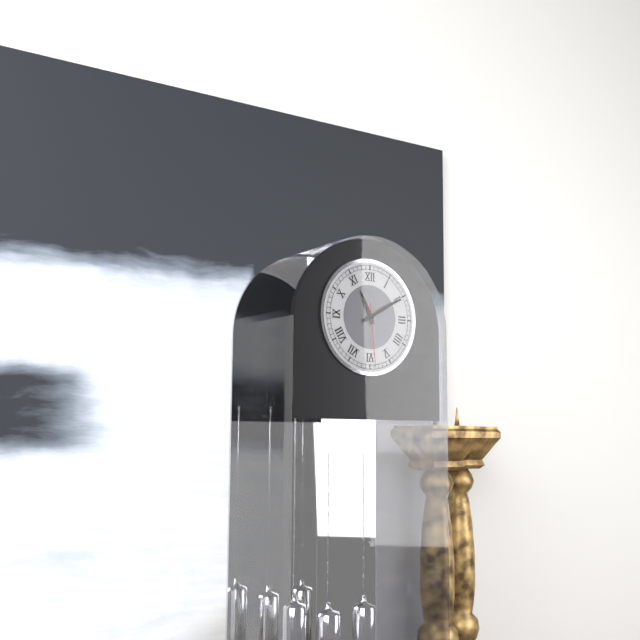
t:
11h10m29s
